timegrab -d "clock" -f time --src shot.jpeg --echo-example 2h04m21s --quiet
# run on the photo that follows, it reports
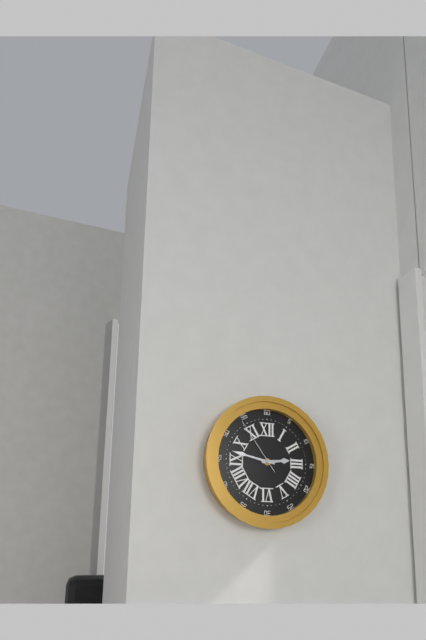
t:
2h47m54s
